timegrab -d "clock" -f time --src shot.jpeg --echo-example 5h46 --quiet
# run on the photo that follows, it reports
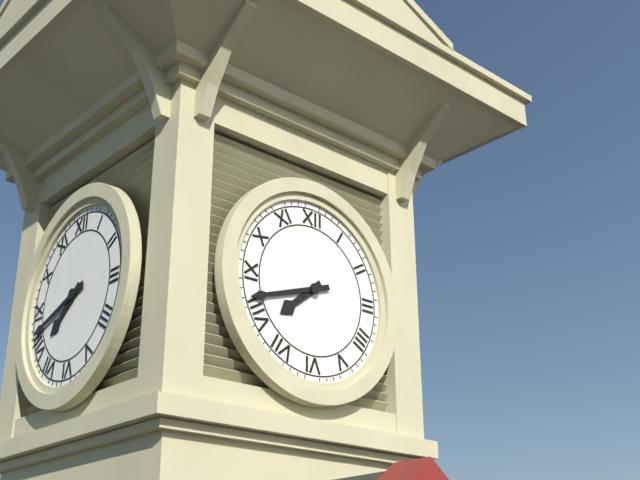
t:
7h42
